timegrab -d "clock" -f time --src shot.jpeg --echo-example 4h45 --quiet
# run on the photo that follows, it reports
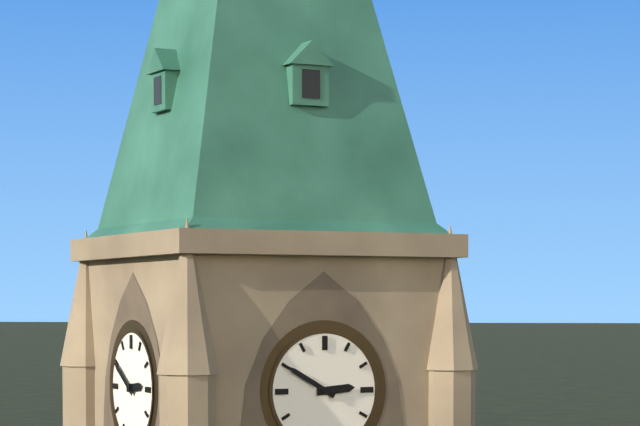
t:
2h50
